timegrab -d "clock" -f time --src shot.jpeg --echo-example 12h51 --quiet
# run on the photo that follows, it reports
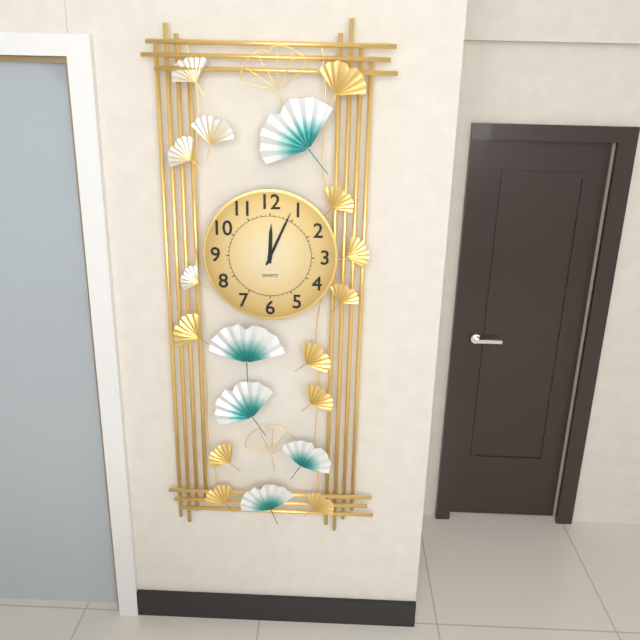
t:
12h04
